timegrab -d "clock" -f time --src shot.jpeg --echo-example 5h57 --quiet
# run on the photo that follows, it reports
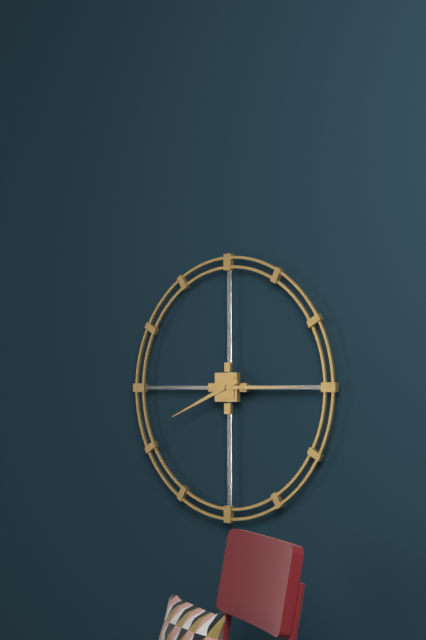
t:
8h15
